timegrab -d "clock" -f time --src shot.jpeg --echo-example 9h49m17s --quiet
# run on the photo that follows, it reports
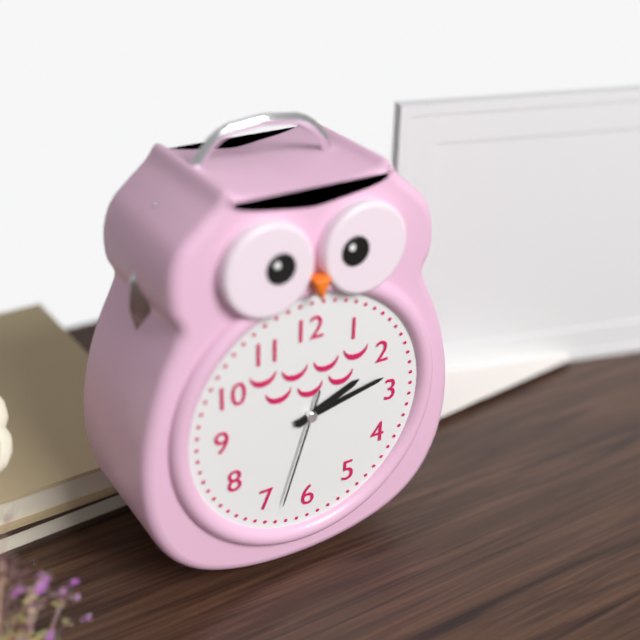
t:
2h13m33s
